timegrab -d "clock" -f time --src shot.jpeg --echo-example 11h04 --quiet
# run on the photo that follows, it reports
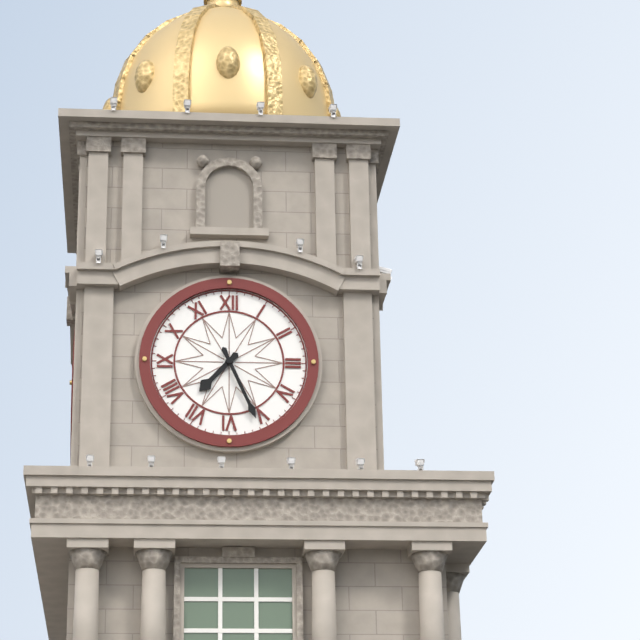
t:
7h26
